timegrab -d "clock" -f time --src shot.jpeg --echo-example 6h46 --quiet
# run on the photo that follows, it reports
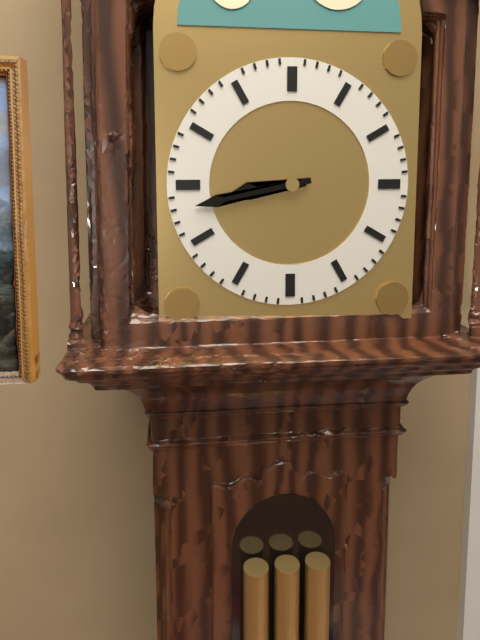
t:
8h43
